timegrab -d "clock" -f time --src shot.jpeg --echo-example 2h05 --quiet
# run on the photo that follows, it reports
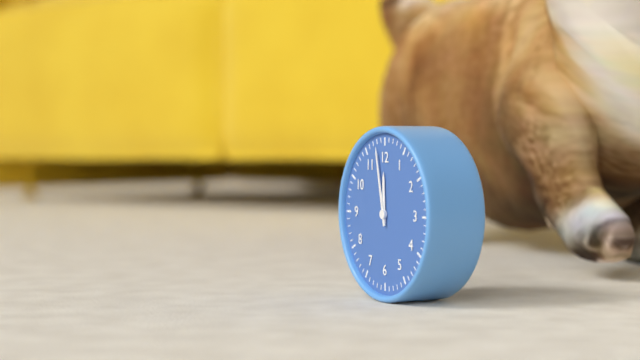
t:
11h58
